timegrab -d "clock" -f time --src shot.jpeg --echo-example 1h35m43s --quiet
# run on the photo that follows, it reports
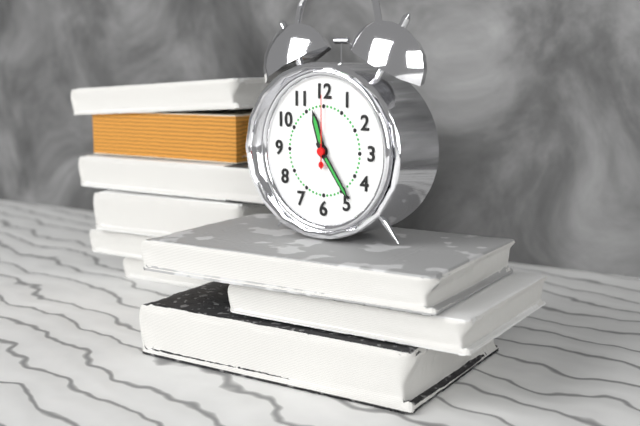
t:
11h24m00s
